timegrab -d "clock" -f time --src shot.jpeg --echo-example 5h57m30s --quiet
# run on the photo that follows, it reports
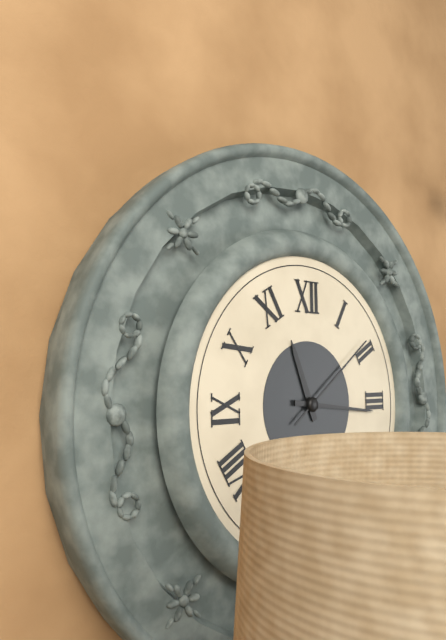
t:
11h16m09s
